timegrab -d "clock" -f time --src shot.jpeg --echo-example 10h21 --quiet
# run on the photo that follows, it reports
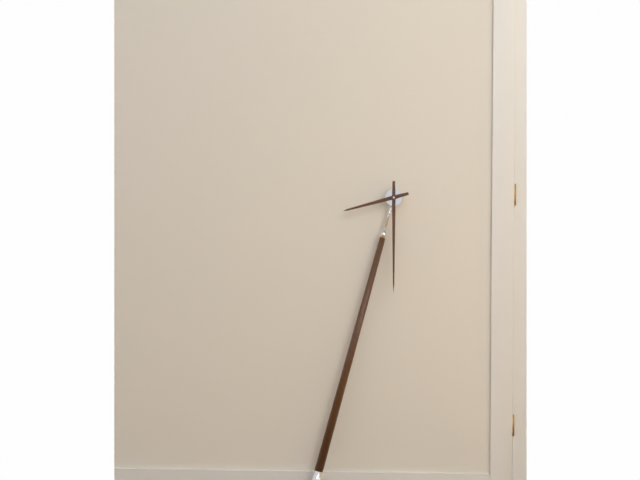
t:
8h30
